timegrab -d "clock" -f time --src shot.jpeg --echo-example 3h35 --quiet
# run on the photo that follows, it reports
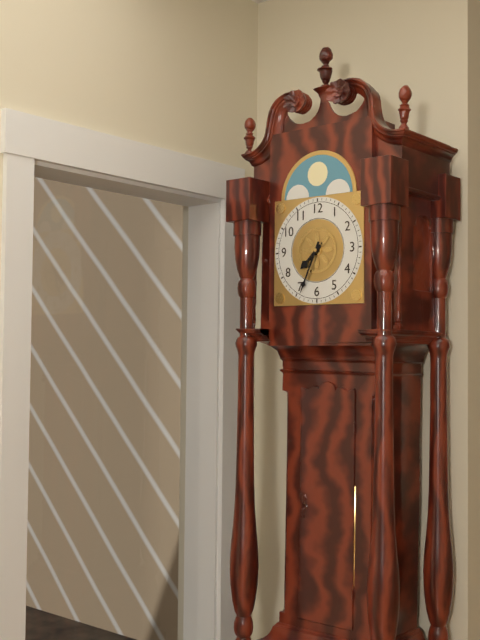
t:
7h34
